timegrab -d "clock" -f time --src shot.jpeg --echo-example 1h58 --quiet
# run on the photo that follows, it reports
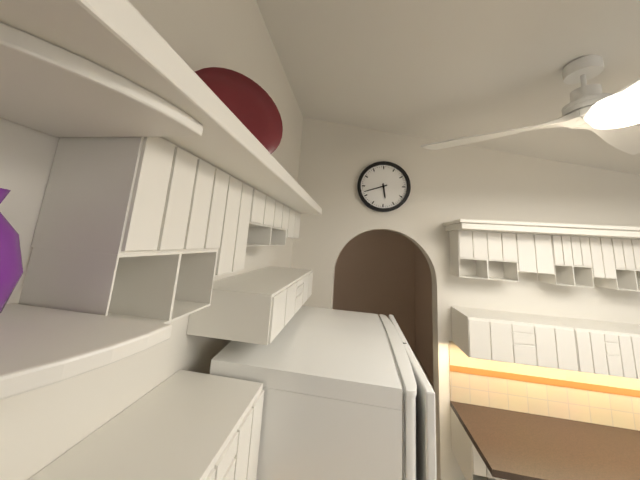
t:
5h42
